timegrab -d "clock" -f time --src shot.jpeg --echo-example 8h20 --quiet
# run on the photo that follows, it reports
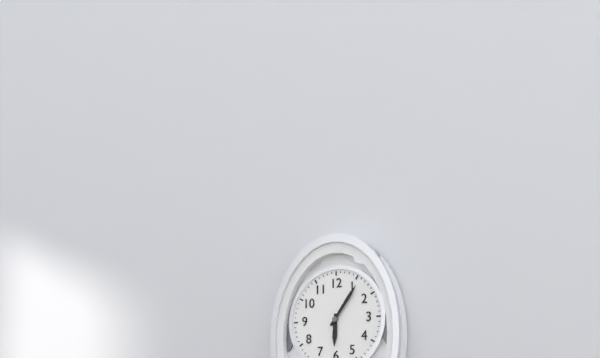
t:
6h06
